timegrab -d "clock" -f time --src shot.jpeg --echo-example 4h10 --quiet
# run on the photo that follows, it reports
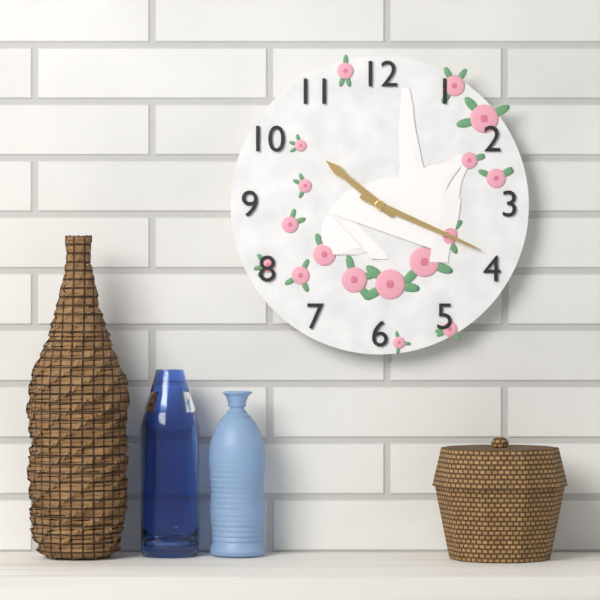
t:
10h19
